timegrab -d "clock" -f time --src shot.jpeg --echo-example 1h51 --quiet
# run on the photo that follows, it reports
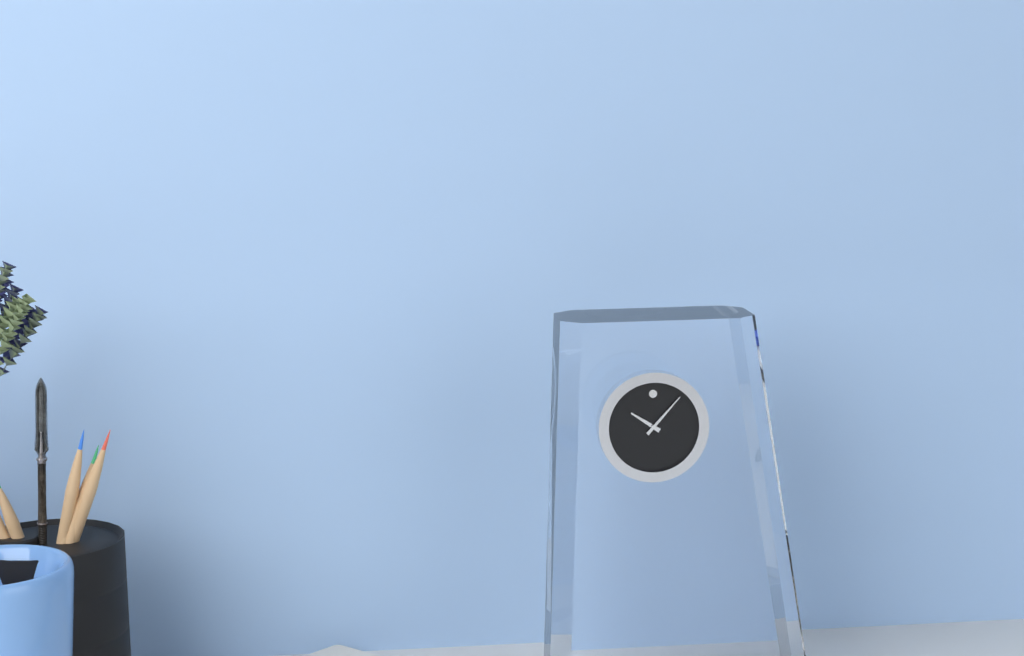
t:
10h07
